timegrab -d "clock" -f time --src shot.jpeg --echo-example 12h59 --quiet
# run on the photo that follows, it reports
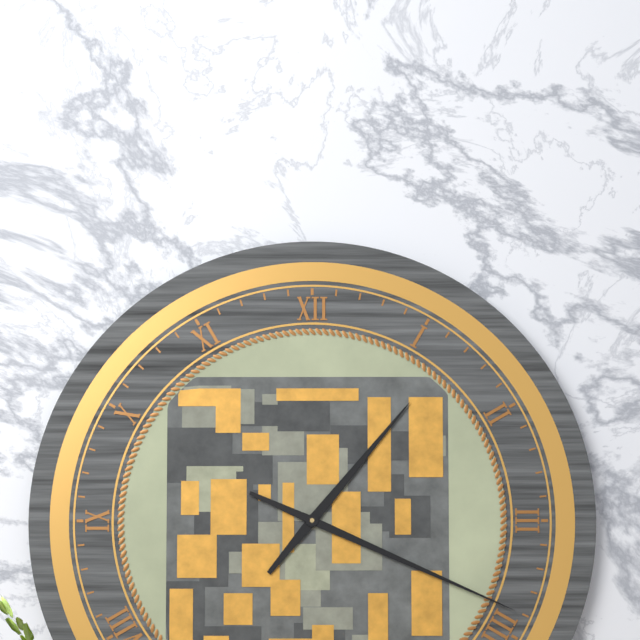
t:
1h19
